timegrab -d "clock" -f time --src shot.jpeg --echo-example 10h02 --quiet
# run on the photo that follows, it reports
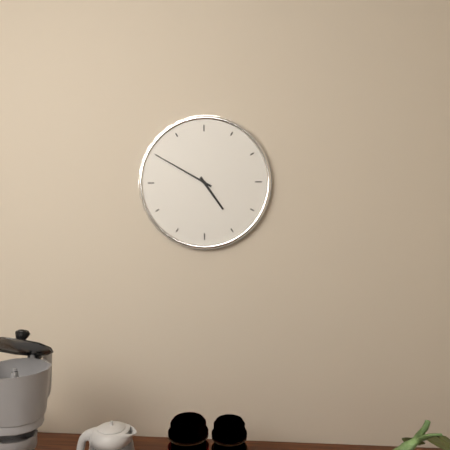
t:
4h50
